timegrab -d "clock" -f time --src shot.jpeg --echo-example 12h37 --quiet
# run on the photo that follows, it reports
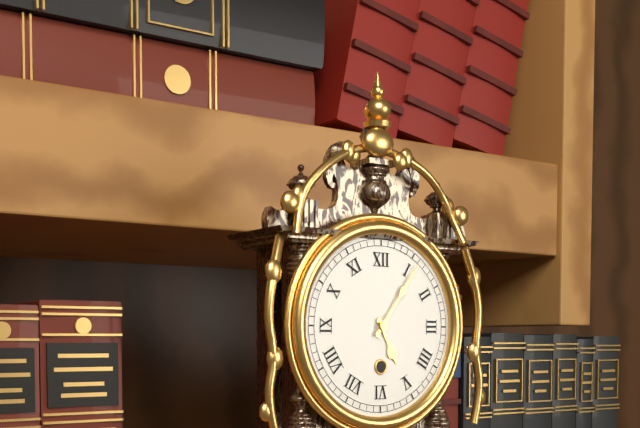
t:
5h06
